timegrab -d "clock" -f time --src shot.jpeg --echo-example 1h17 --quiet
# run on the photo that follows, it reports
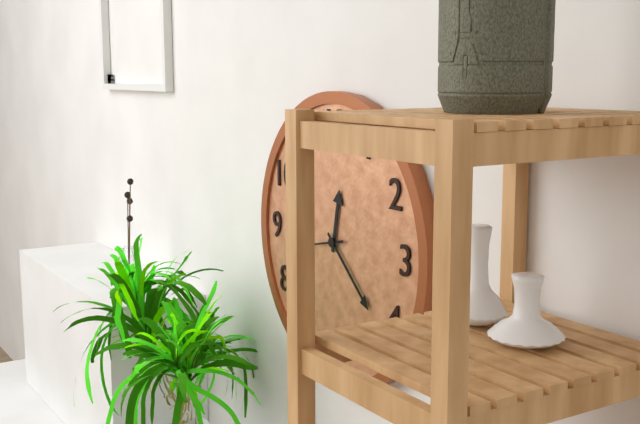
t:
12h22
